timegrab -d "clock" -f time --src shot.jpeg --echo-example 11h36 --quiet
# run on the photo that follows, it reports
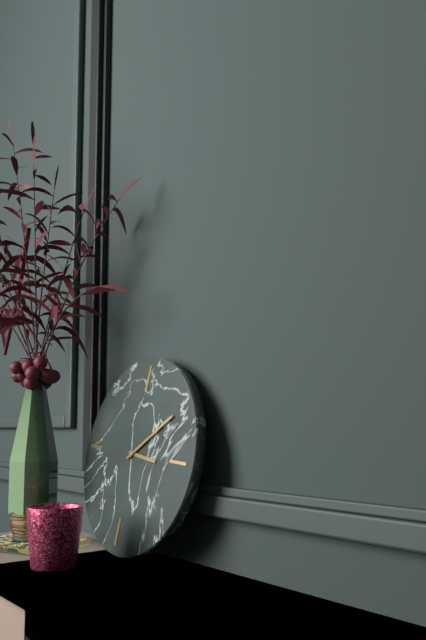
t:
3h09
